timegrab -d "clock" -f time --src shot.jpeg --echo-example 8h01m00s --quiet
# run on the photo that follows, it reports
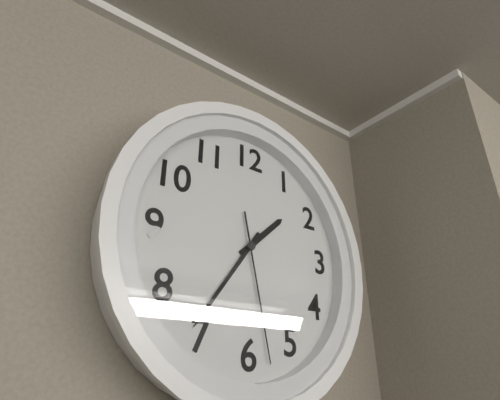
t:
1h36m28s
